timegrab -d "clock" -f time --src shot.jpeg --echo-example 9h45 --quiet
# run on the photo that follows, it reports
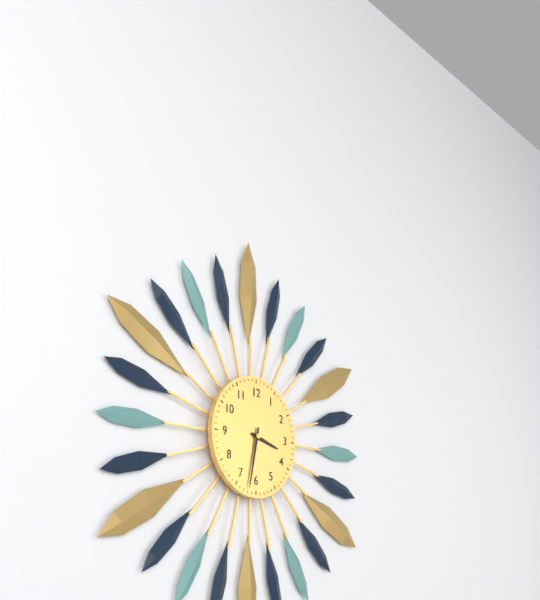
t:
3h32
